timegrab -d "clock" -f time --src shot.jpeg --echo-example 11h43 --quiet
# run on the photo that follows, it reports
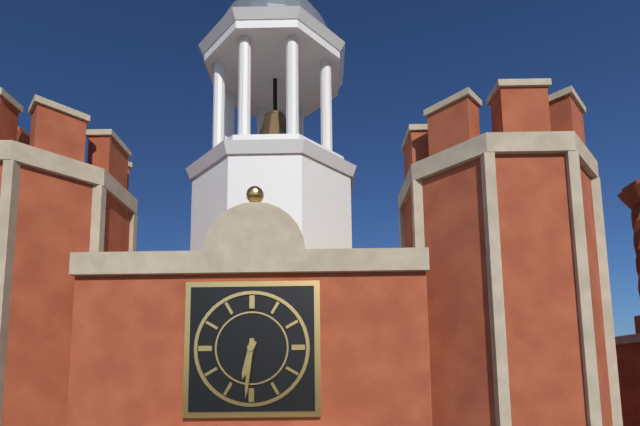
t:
6h31
